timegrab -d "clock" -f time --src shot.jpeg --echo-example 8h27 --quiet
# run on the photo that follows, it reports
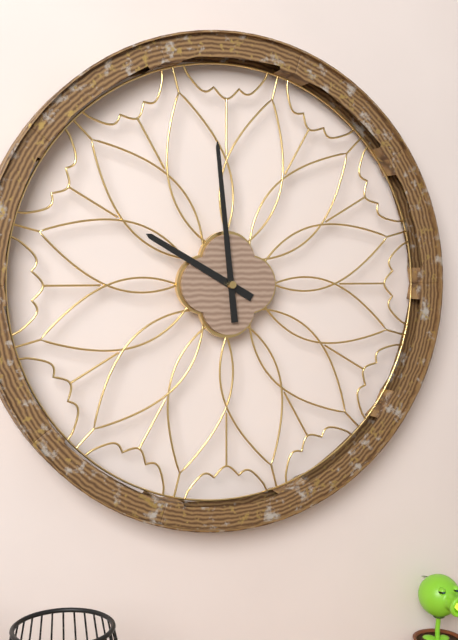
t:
9h59
